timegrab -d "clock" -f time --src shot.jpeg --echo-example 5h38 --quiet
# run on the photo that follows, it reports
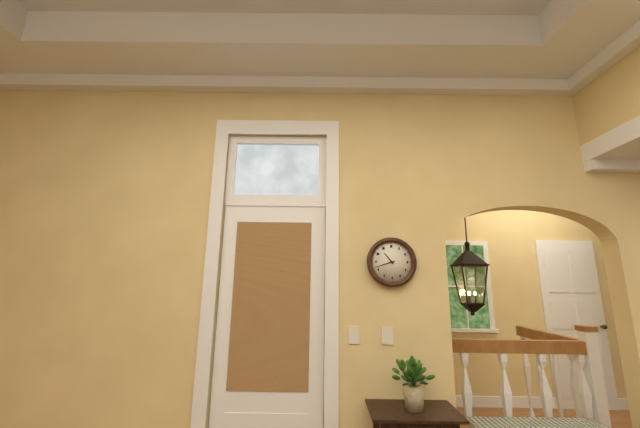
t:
10h42
